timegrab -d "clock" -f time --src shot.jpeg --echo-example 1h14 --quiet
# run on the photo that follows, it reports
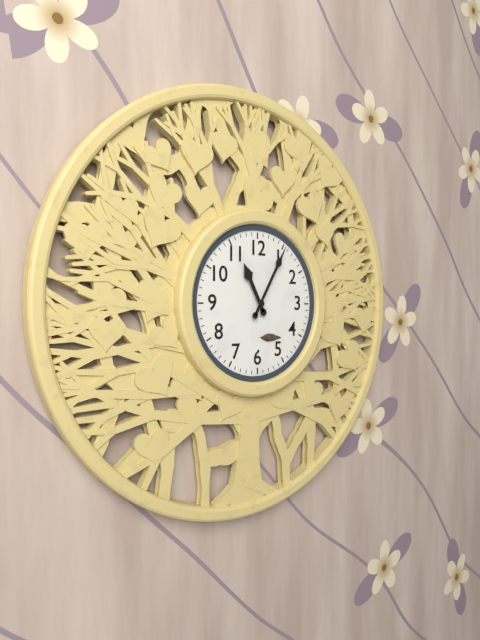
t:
11h05
